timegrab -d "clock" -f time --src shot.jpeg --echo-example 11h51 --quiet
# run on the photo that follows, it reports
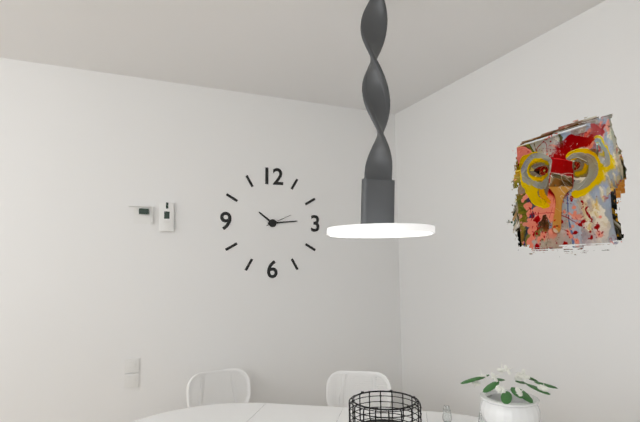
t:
10h14
